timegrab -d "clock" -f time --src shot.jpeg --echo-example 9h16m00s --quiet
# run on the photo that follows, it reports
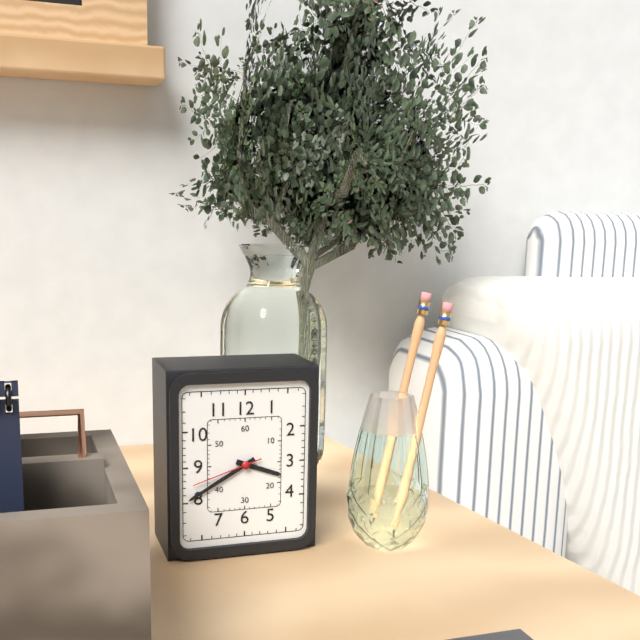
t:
3h40m42s
